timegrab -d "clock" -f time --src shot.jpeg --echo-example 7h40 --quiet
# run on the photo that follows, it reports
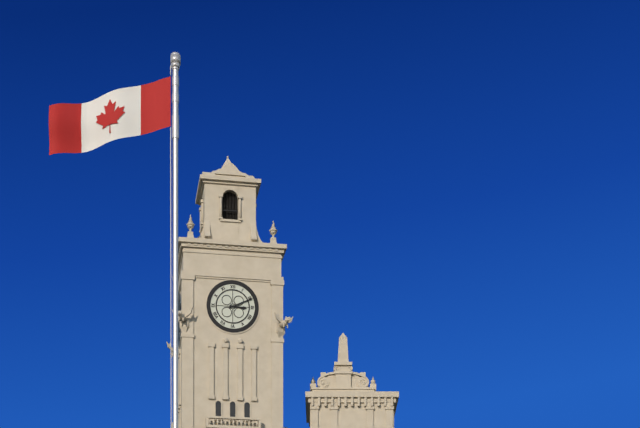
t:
3h11
